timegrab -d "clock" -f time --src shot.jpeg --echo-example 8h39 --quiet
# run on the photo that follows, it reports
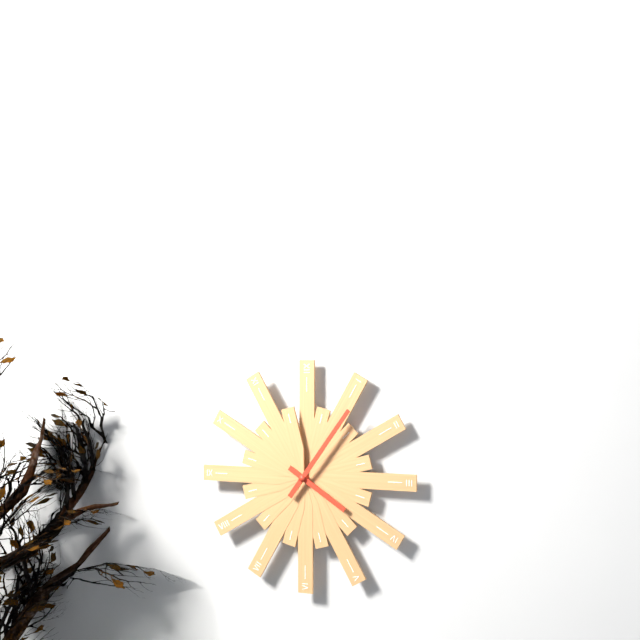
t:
4h06
